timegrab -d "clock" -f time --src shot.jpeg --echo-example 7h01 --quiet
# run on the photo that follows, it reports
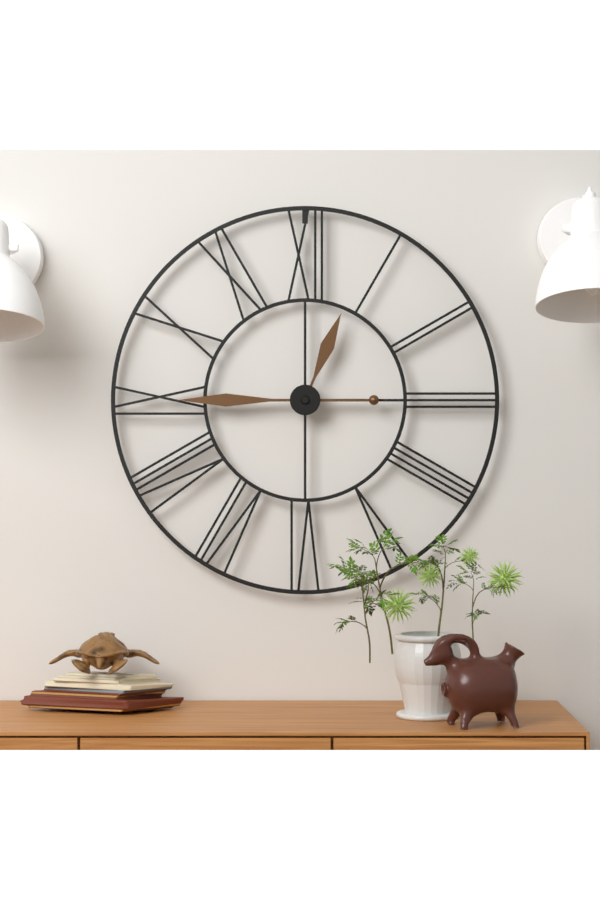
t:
12h45
